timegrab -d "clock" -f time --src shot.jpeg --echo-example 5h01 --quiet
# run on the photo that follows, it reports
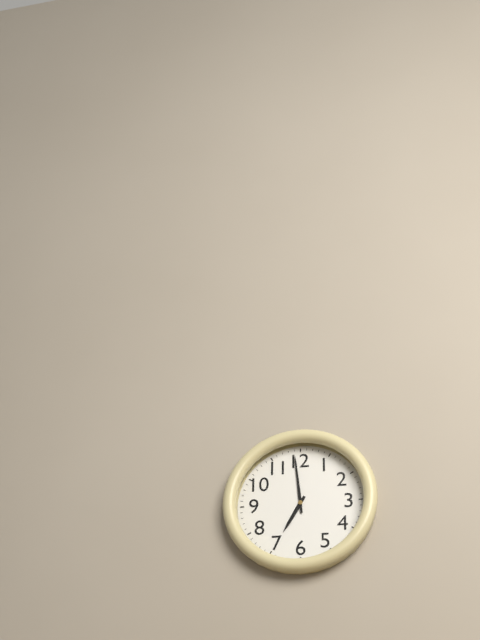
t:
6h59
